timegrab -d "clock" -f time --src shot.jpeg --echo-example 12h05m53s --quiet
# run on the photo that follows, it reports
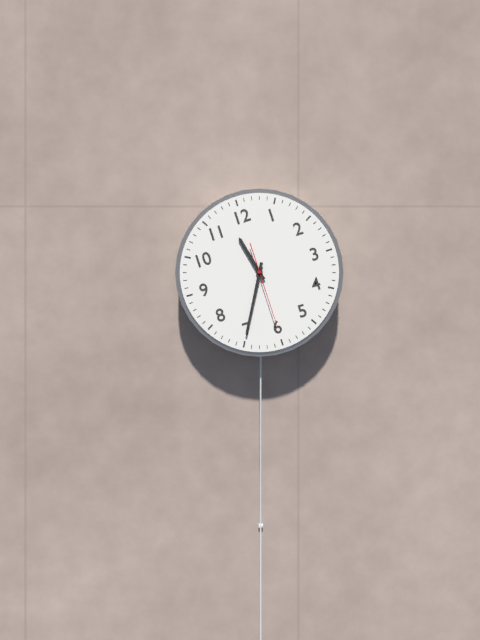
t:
11h35m30s
